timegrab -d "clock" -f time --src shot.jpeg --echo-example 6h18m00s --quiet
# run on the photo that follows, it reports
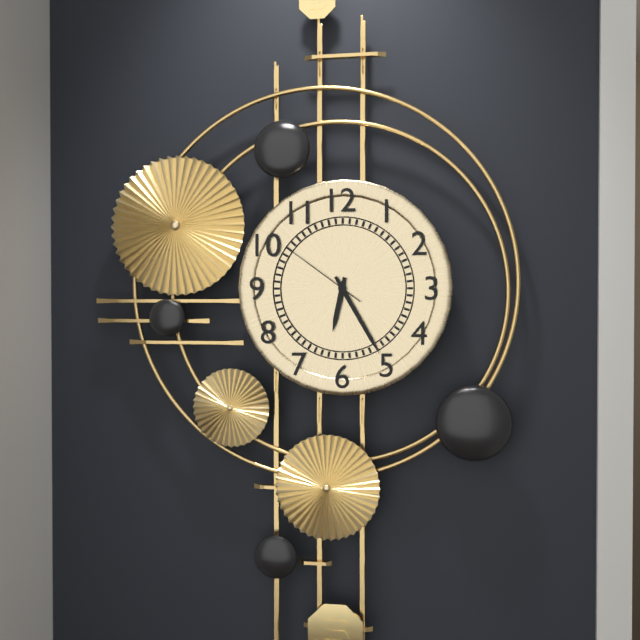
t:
6h25m51s
